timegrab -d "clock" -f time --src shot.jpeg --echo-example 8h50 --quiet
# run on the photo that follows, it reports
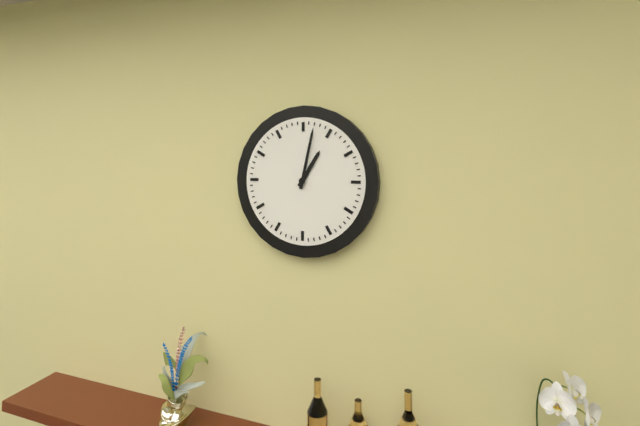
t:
1h02
